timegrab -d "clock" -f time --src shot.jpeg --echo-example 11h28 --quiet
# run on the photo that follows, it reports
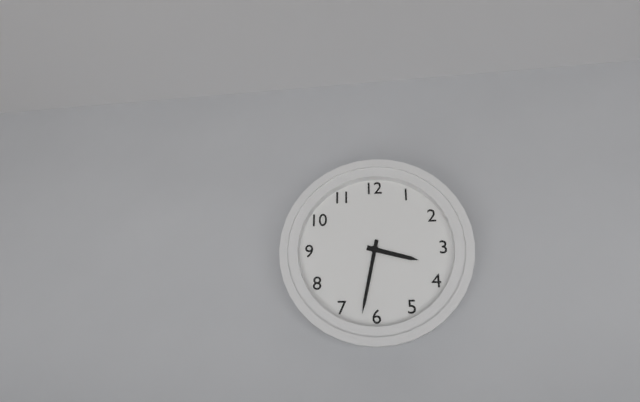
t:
3h32
